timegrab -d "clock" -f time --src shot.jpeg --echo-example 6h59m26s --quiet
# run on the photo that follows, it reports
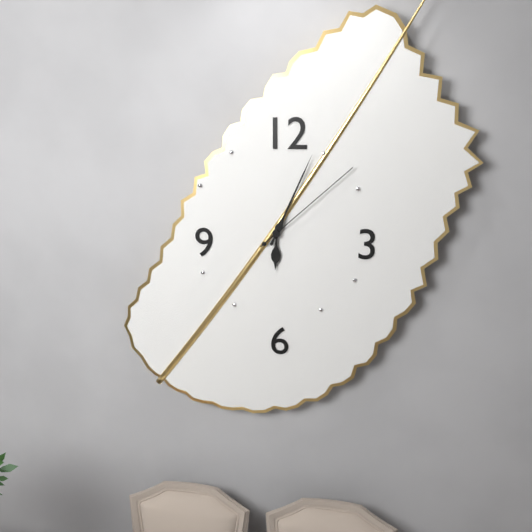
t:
6h04m08s
